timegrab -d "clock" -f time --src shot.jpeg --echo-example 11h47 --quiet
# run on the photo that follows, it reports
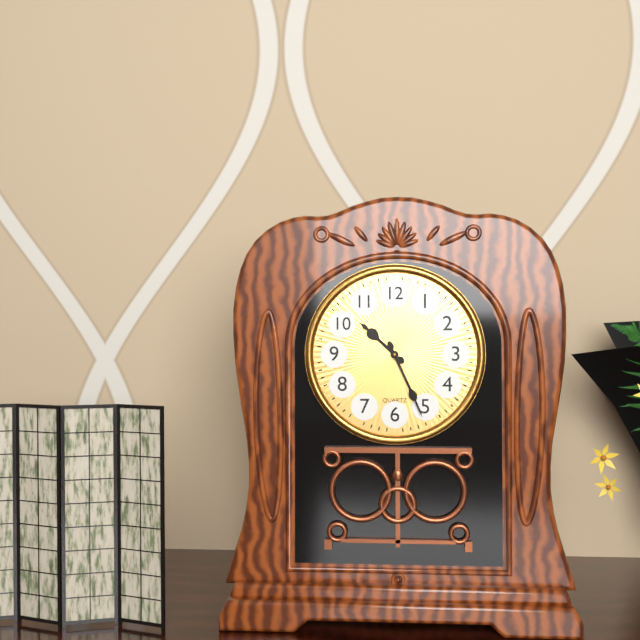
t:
10h26
